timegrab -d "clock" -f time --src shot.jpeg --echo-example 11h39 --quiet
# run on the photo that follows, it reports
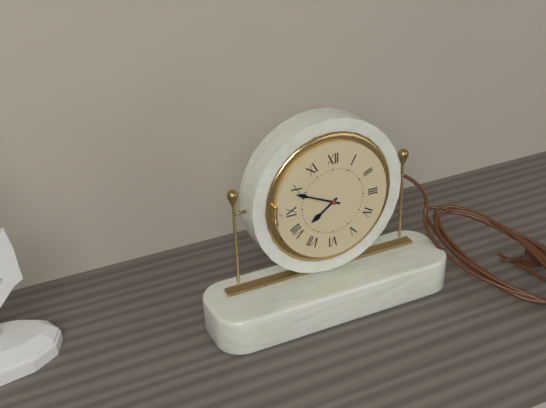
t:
7h49
